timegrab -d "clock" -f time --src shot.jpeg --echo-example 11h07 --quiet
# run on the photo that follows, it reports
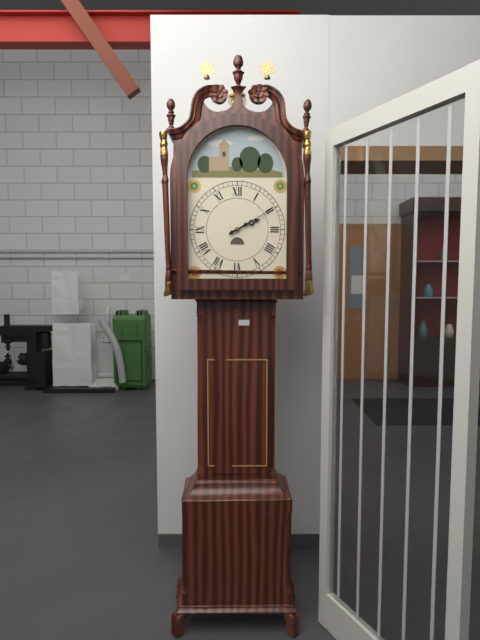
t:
2h10
